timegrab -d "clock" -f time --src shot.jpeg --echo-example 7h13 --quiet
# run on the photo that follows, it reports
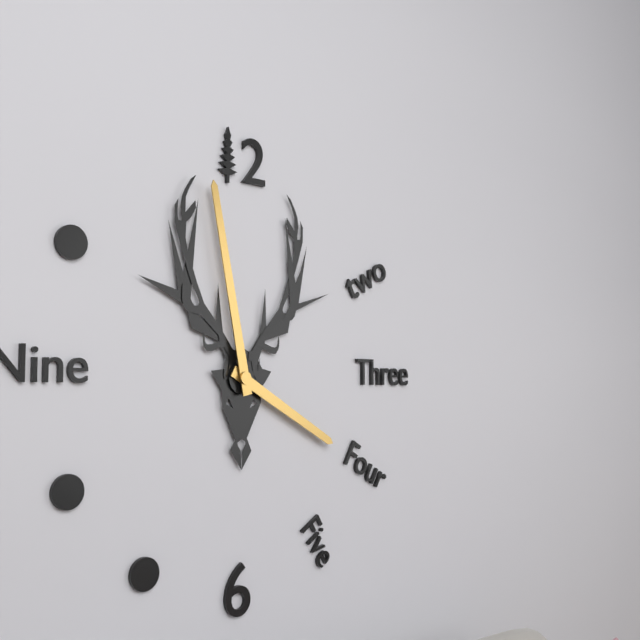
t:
3h58
